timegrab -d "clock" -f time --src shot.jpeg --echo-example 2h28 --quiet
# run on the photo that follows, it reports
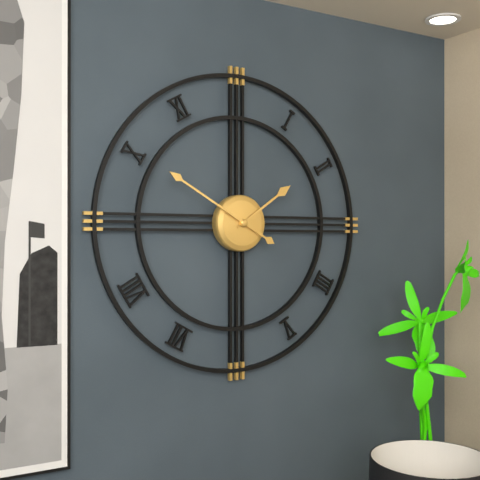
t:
1h50
